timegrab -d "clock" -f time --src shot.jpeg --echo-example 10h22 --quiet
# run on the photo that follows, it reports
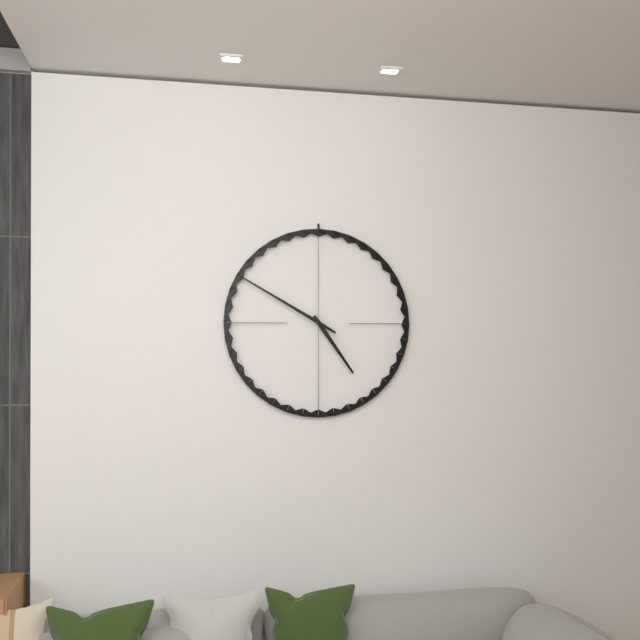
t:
4h50
